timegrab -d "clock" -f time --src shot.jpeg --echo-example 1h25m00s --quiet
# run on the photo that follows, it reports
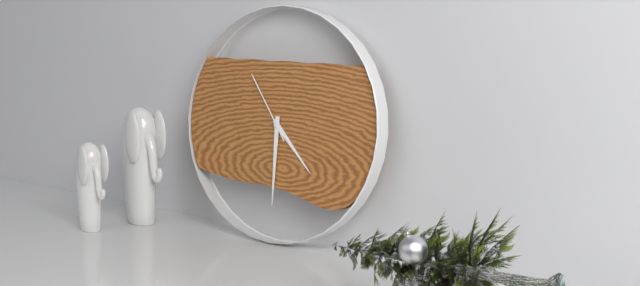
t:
4h30m54s
